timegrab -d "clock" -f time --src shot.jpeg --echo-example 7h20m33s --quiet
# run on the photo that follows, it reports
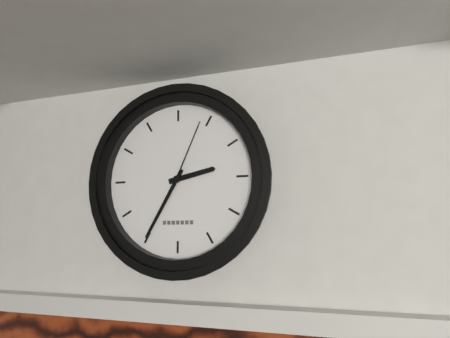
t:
2h35m04s
